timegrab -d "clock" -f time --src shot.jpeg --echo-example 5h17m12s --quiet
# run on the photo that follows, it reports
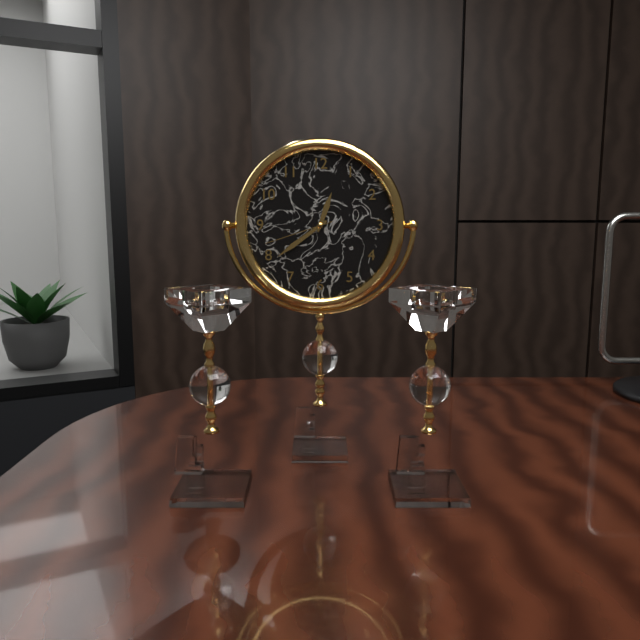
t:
12h39m42s
